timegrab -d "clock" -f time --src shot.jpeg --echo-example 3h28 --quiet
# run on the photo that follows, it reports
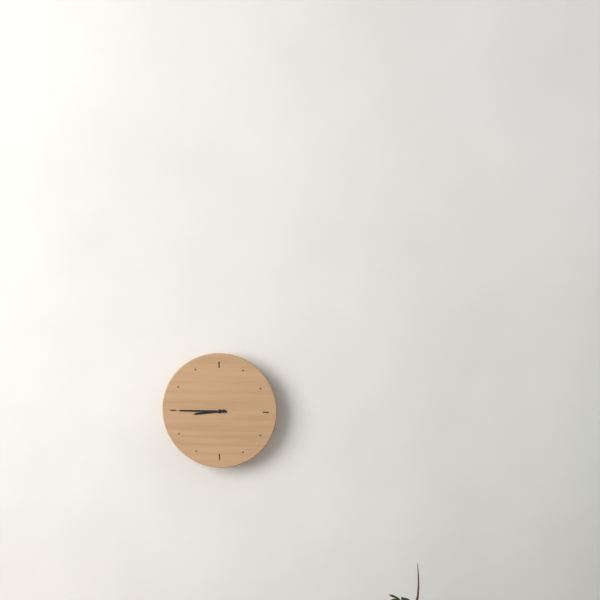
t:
8h45
